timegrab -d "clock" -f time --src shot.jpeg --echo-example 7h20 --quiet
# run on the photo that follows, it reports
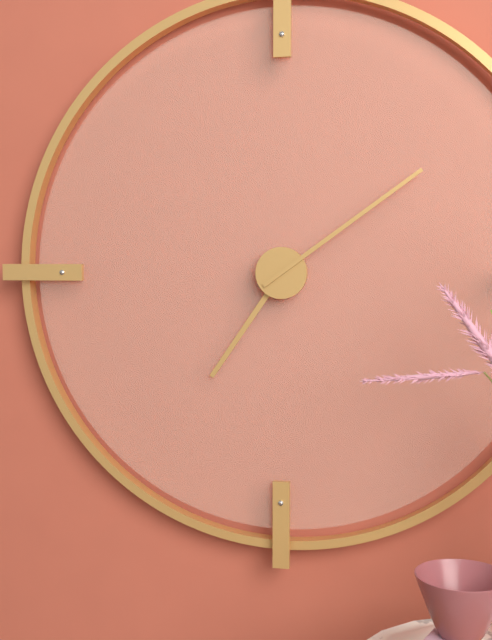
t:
7h09
